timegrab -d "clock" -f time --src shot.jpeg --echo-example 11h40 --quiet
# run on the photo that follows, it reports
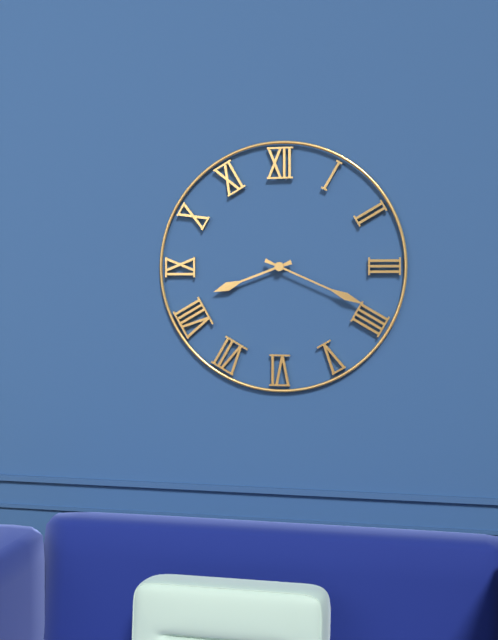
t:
8h19
